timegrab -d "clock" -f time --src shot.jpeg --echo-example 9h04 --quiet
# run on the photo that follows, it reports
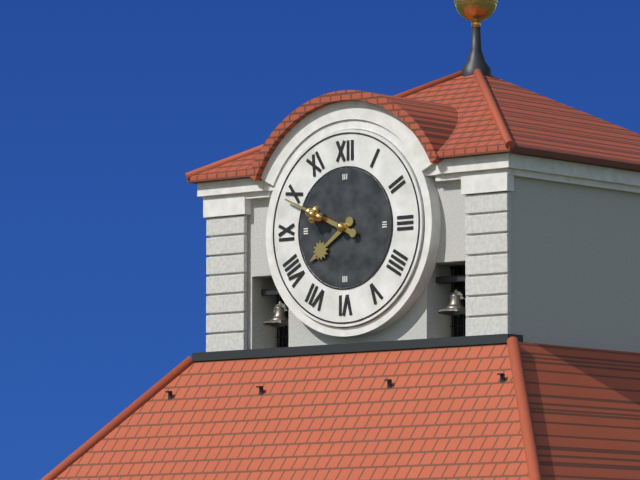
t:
7h49
